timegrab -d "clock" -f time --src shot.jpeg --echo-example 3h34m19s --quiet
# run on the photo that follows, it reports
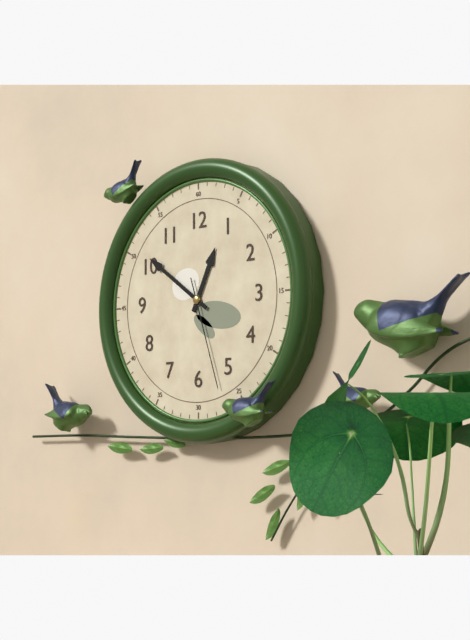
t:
12h51m27s
